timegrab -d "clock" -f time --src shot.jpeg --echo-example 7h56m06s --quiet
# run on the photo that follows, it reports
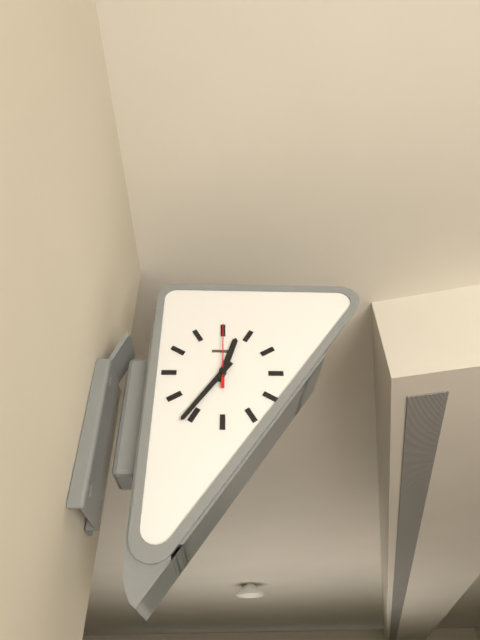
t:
12h36m00s
